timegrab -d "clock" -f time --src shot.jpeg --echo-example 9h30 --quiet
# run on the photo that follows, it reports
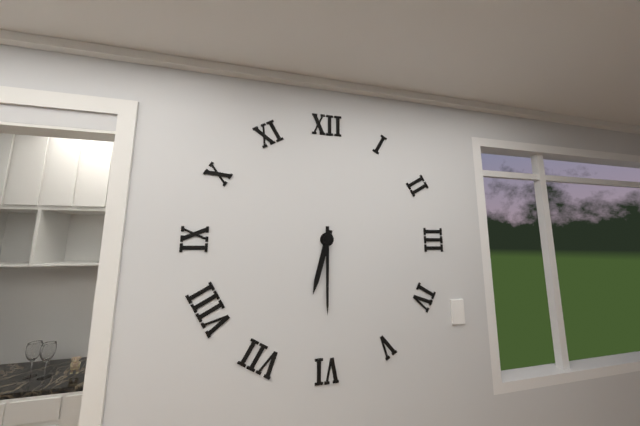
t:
6h30
